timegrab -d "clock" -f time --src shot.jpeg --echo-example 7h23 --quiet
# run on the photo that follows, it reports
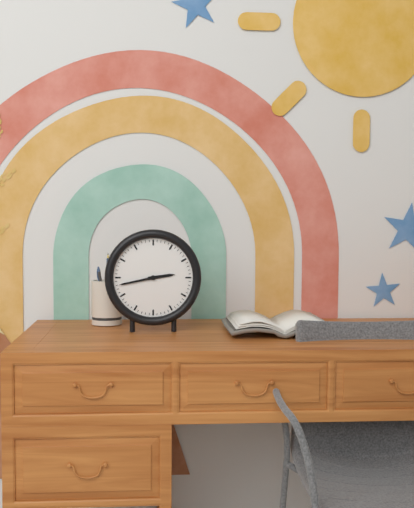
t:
2h43
